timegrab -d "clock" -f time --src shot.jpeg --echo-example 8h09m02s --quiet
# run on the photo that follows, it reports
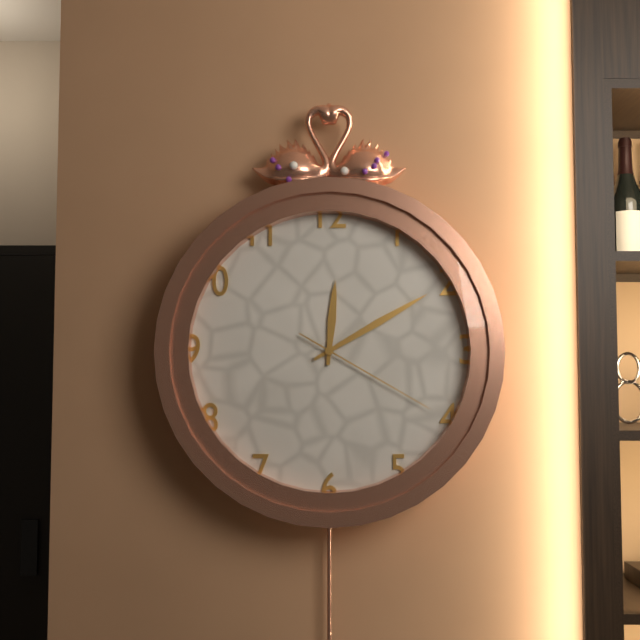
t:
12h10m20s
